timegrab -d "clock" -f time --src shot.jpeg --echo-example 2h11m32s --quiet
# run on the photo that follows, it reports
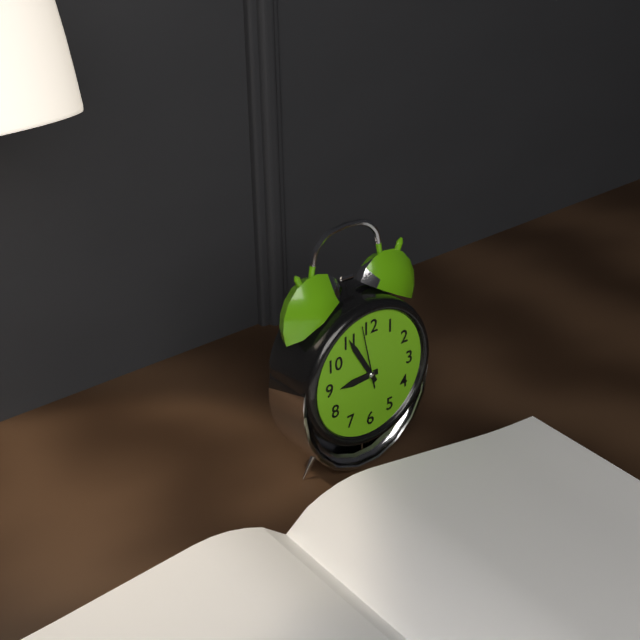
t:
8h55m58s
